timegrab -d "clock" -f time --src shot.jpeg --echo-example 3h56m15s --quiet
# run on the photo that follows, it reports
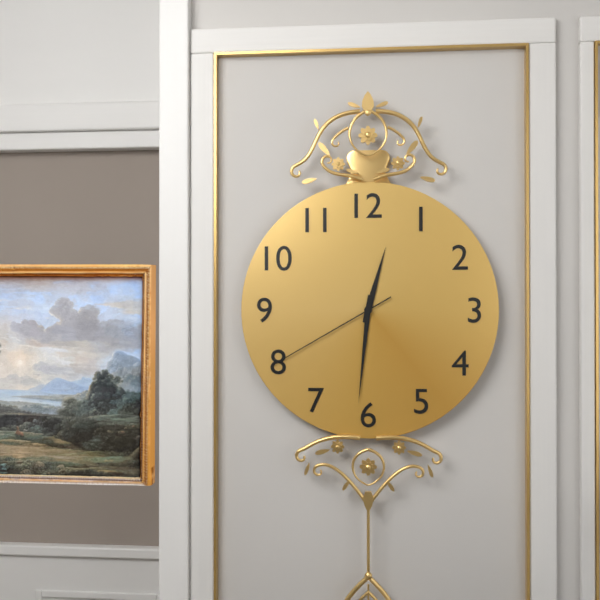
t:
12h31m40s
